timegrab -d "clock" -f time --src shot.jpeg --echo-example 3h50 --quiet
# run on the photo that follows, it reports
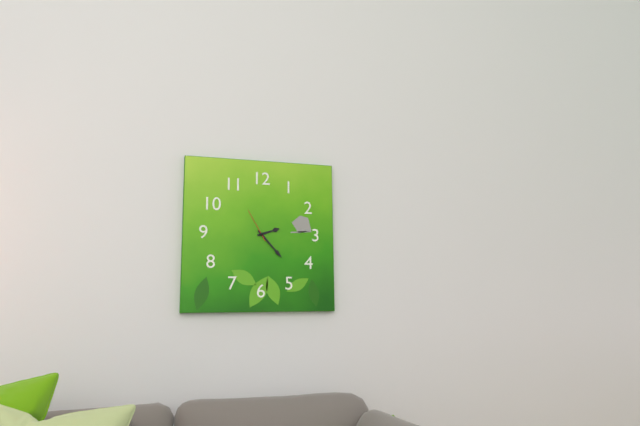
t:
2h23
